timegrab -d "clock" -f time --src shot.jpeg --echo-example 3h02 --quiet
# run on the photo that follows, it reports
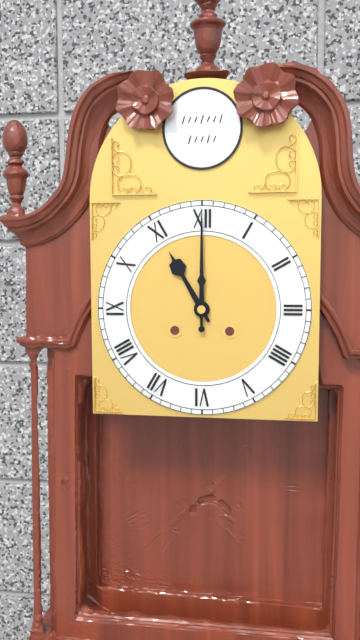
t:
11h00
